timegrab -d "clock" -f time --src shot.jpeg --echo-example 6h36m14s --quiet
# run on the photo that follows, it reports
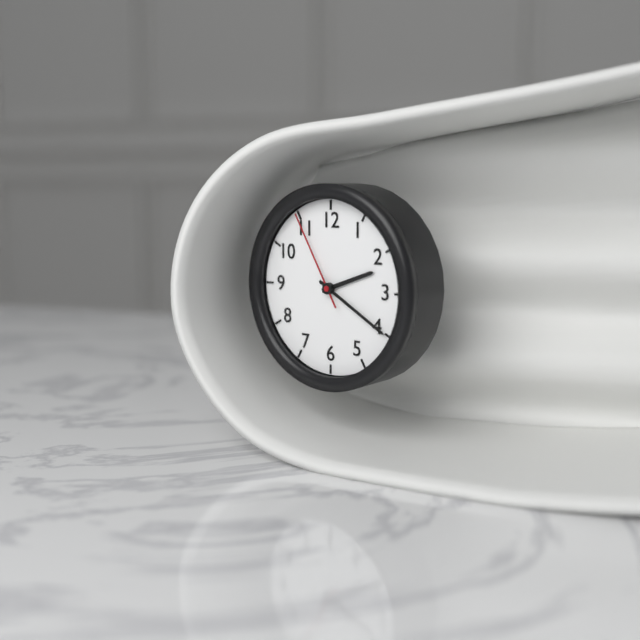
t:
2h20m55s
